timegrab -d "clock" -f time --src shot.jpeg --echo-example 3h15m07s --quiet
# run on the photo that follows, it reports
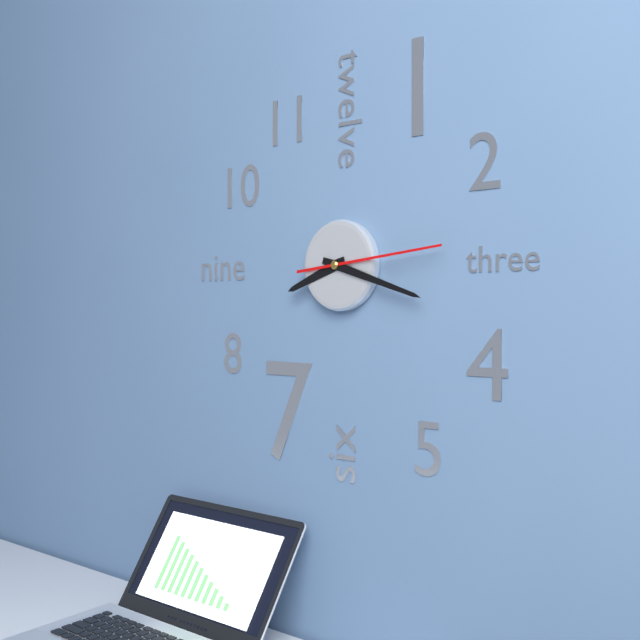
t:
8h18m14s
